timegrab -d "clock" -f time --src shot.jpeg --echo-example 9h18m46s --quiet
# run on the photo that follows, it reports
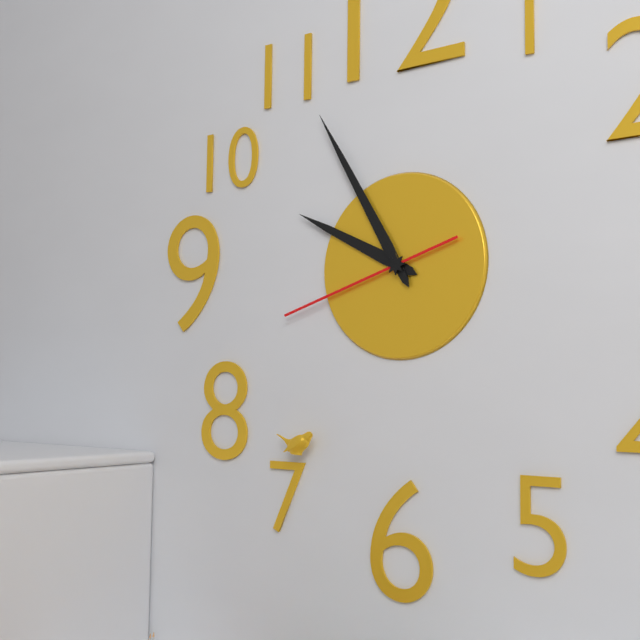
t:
9h55m42s
